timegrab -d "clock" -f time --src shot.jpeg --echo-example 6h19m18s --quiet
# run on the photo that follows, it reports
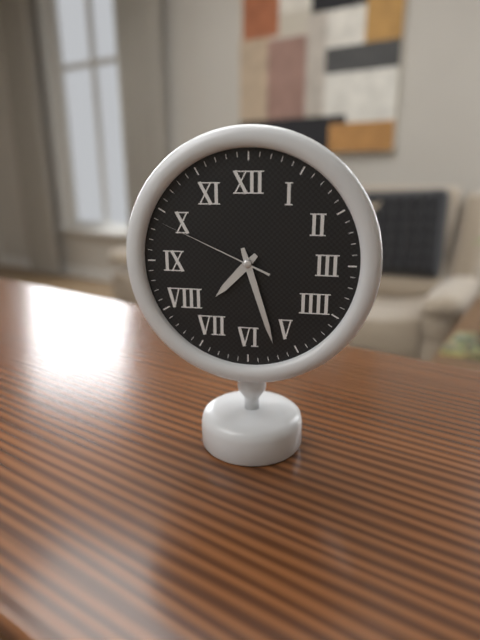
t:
7h27m49s
